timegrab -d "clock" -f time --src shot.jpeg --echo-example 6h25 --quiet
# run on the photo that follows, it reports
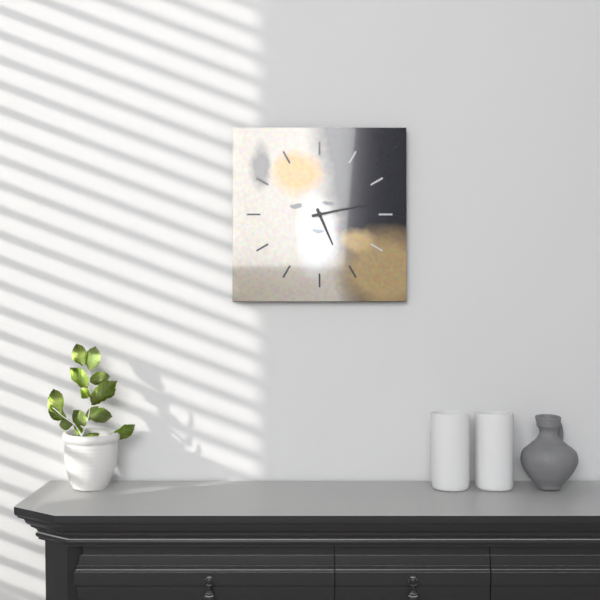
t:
5h13
